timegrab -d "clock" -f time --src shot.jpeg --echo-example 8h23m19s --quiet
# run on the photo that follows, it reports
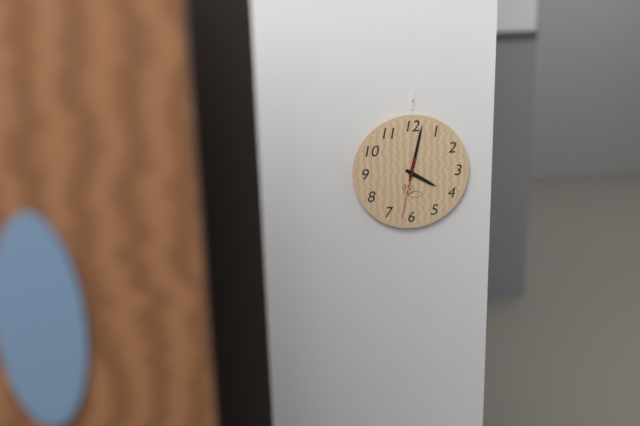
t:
4h02m32s
